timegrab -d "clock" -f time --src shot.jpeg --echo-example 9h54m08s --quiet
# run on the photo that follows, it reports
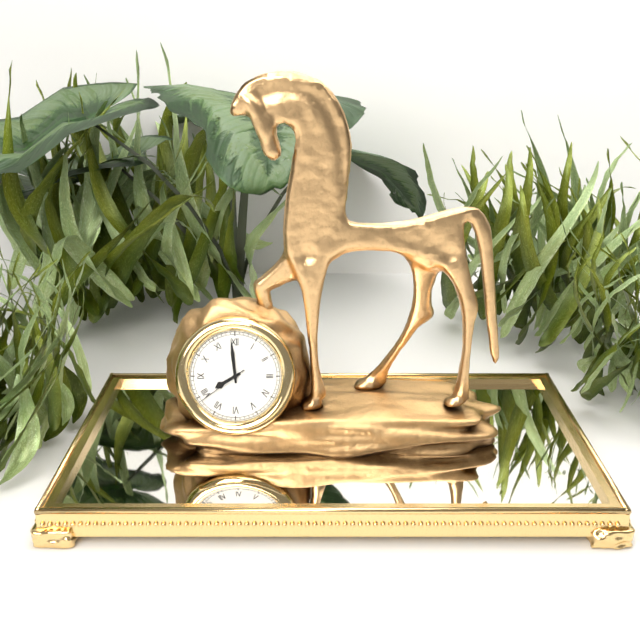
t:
7h59m39s
